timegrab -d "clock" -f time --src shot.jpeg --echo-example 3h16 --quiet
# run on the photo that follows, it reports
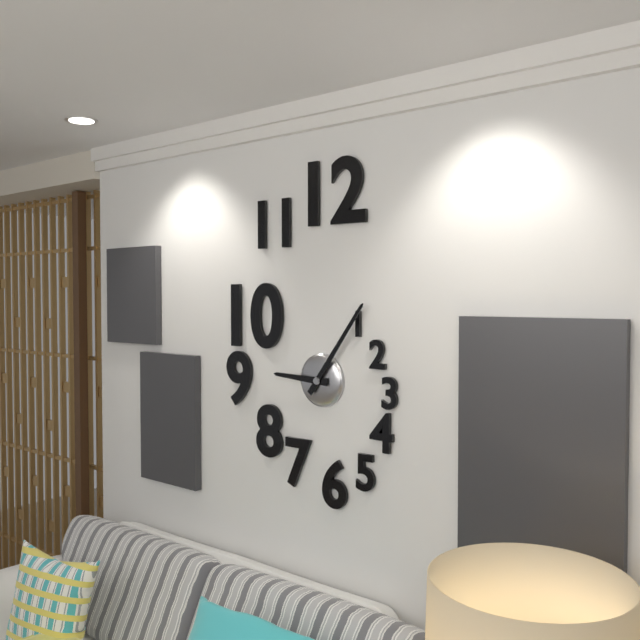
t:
9h06
